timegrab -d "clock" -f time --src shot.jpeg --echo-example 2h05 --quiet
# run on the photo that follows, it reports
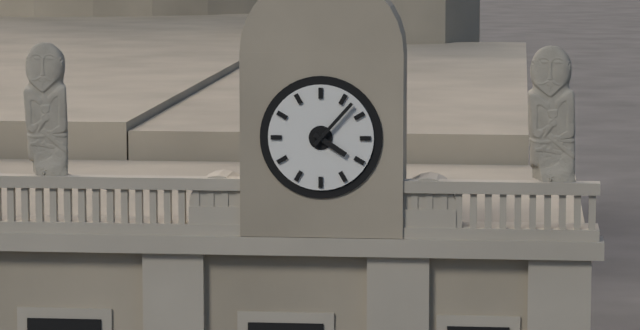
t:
4h07
